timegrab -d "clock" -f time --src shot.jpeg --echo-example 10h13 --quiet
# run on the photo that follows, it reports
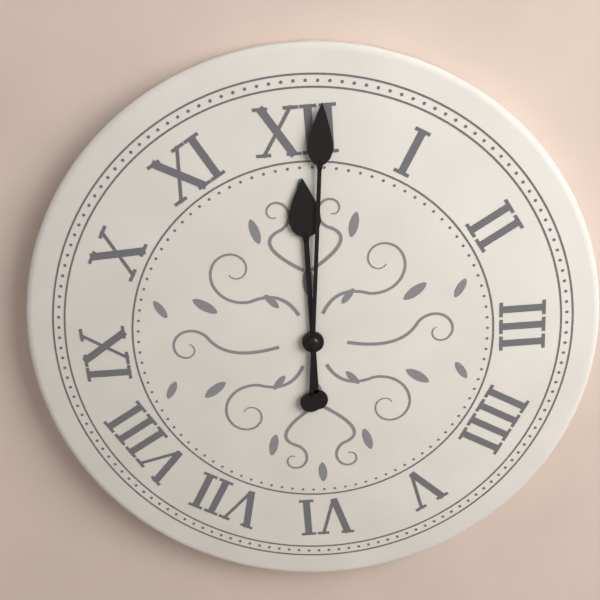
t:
12h01
